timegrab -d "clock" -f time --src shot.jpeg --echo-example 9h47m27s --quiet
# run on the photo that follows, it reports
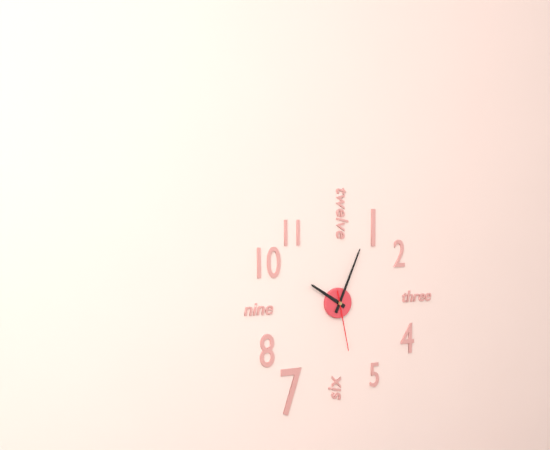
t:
10h04m28s
